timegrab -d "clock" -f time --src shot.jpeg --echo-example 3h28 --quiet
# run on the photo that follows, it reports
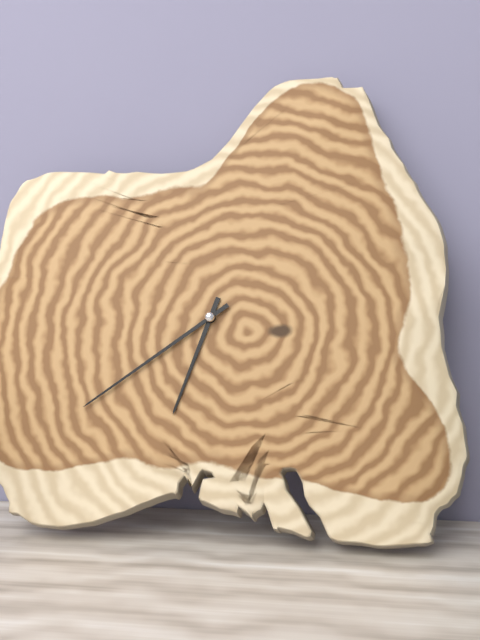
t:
6h39
